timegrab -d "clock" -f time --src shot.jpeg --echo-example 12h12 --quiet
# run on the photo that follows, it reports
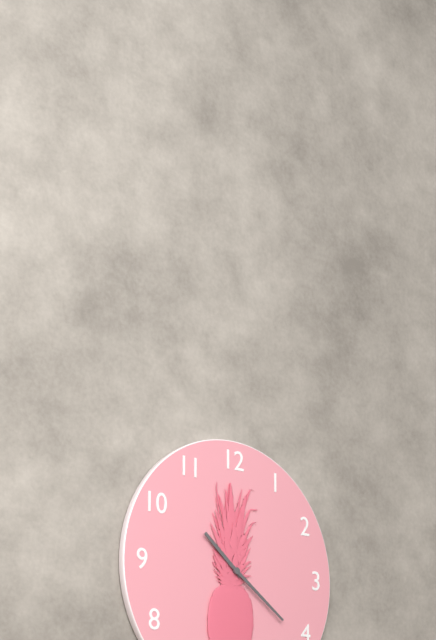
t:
10h21
